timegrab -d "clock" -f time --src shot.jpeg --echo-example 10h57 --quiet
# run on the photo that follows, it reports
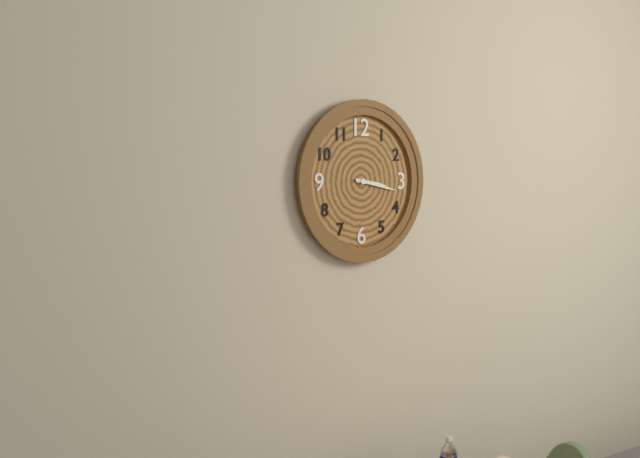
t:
3h17
